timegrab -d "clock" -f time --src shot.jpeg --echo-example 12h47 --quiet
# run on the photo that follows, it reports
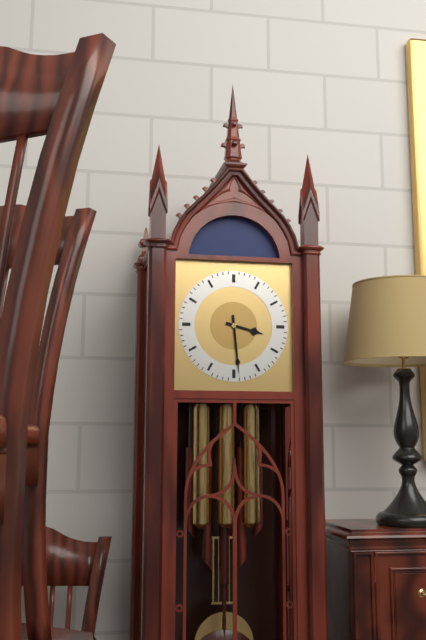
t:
3h29
